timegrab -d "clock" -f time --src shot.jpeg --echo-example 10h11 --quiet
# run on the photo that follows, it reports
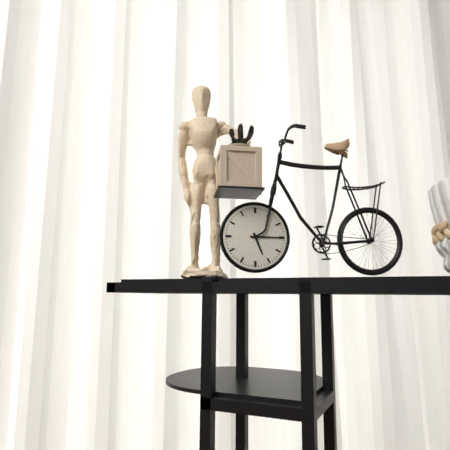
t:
5h15
